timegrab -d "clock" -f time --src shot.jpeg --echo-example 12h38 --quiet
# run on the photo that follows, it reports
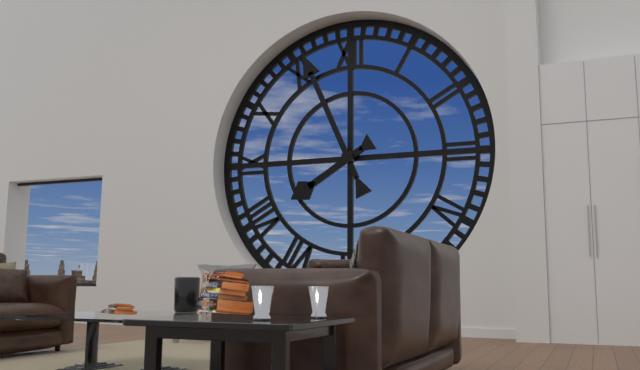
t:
7h56
